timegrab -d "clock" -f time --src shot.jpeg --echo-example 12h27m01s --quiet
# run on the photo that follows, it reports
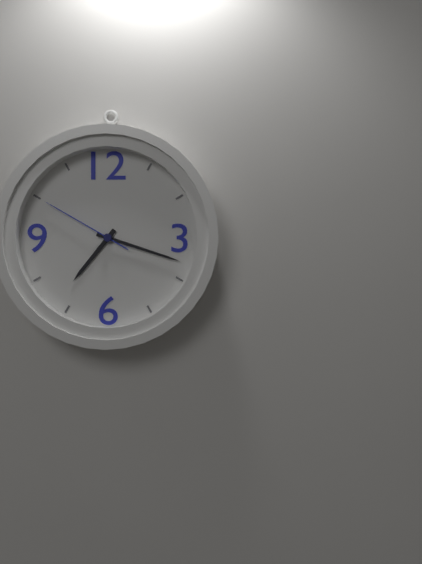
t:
7h18m50s
